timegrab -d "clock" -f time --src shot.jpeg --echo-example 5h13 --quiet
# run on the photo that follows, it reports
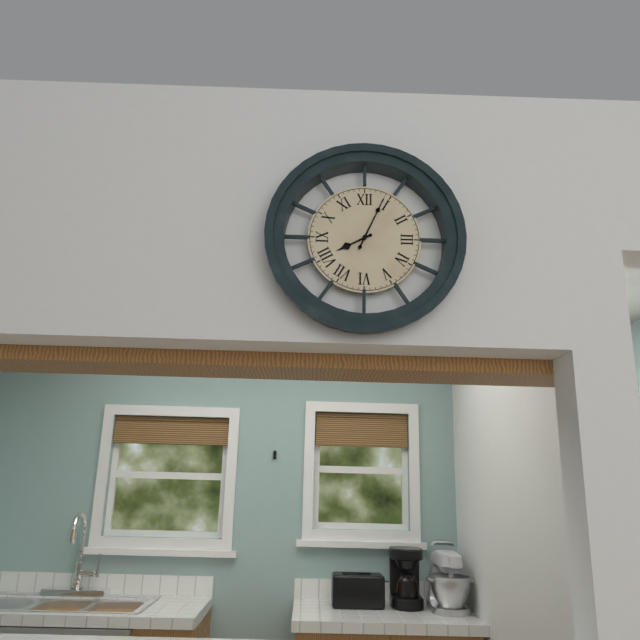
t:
8h04
